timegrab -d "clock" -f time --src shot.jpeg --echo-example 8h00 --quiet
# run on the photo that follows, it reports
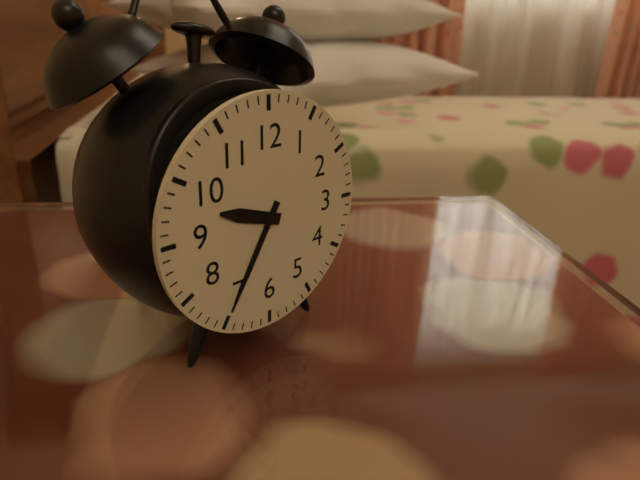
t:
9h35
